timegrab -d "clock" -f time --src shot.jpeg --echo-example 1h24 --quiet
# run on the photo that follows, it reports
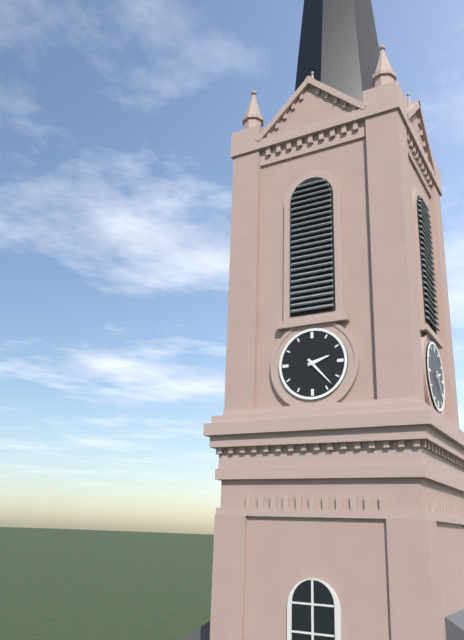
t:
2h23
